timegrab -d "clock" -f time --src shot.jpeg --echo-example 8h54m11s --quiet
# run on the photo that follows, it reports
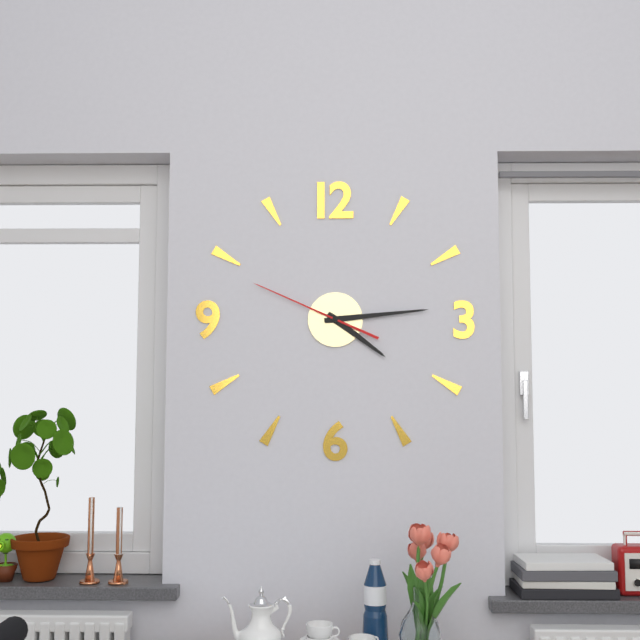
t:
4h14m49s
